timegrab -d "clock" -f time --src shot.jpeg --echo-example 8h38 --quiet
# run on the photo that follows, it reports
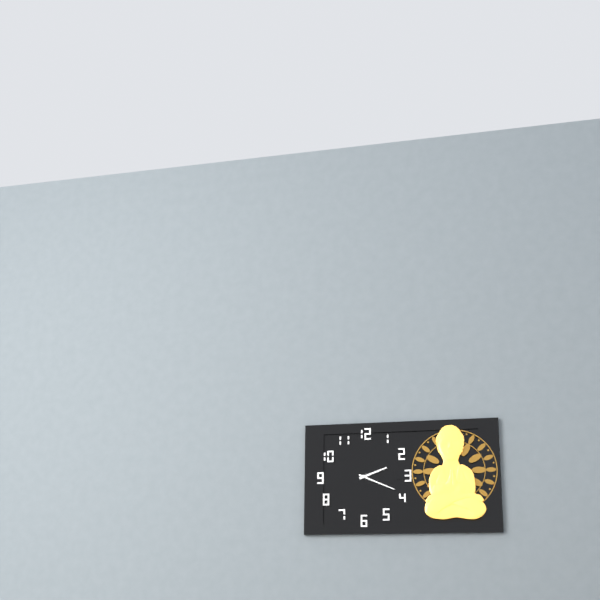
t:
2h19
